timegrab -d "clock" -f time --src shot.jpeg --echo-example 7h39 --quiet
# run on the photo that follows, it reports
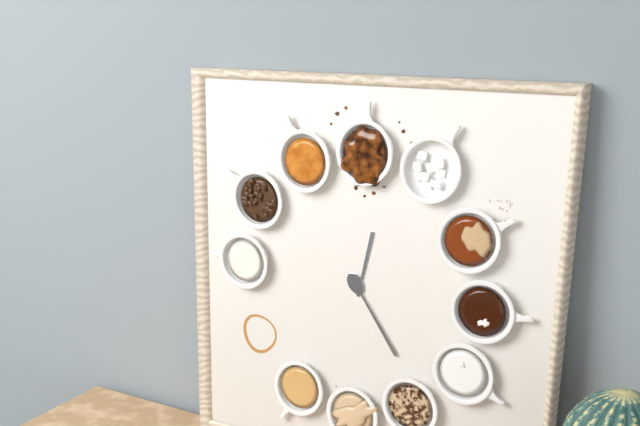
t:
12h24
